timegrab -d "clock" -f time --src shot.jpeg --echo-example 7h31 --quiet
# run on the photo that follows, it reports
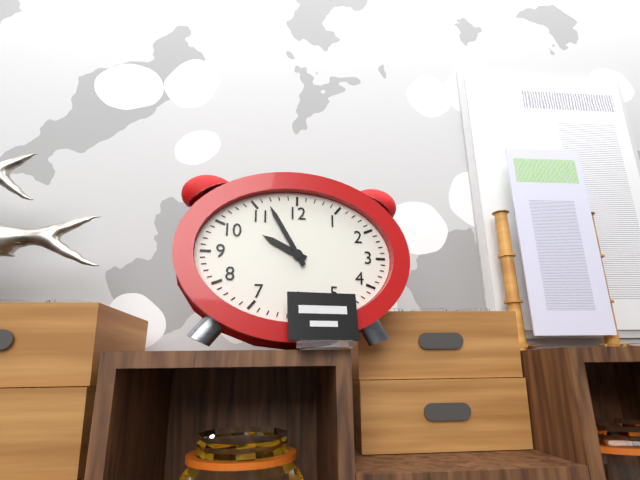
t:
9h55
